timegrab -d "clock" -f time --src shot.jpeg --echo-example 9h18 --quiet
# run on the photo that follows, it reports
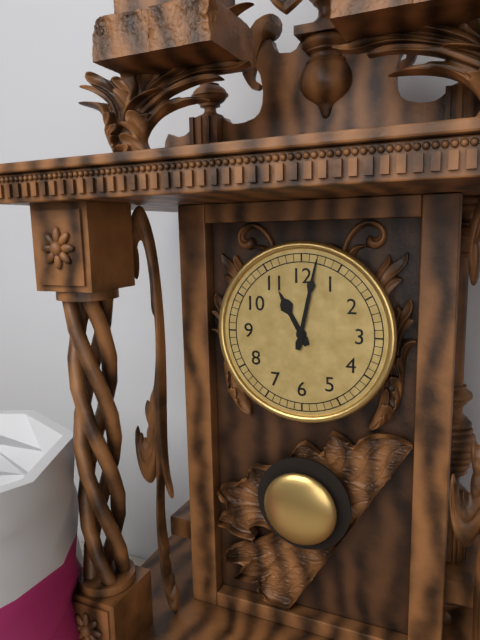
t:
11h02
